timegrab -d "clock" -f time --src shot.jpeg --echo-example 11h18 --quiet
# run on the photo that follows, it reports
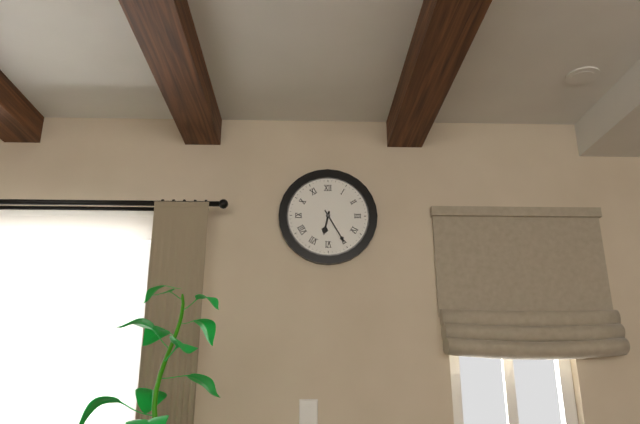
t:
6h25
